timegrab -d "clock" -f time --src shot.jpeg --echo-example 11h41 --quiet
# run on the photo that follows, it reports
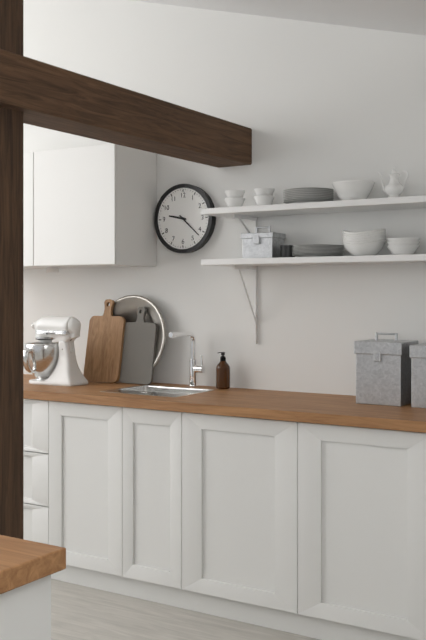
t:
9h22
